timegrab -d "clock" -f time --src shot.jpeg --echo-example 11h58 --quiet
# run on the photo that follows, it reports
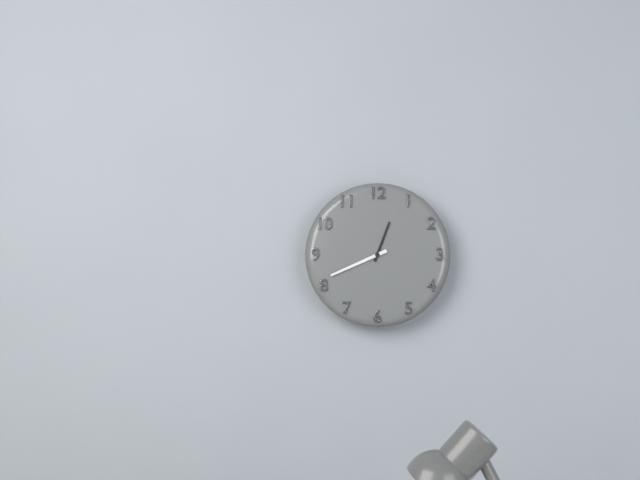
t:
12h41
